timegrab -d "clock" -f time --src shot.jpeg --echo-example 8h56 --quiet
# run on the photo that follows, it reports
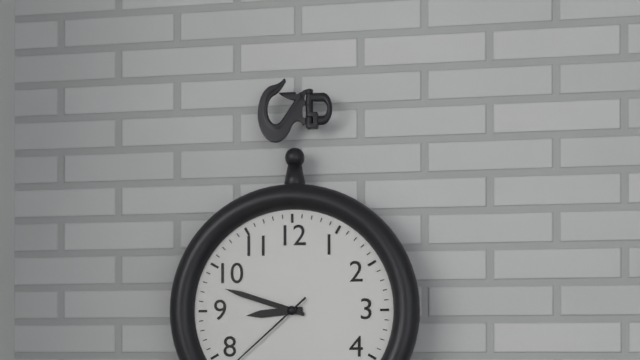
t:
8h48
